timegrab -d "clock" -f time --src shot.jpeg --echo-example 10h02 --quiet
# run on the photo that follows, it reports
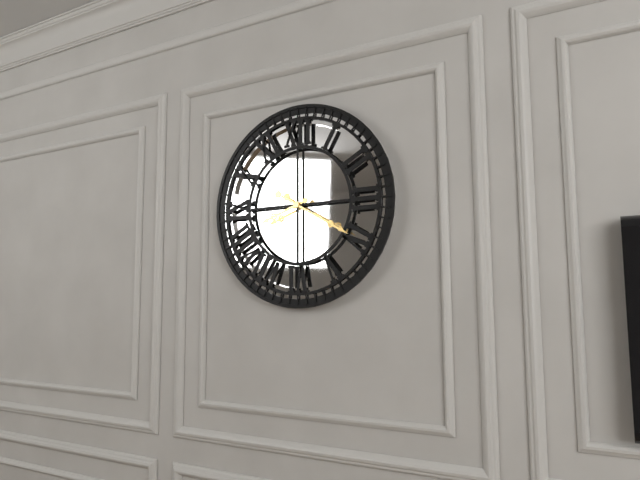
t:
8h20
